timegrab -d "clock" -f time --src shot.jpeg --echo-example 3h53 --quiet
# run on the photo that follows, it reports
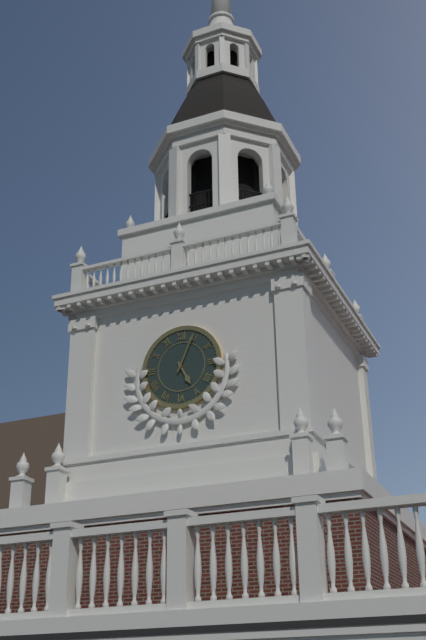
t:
5h04
